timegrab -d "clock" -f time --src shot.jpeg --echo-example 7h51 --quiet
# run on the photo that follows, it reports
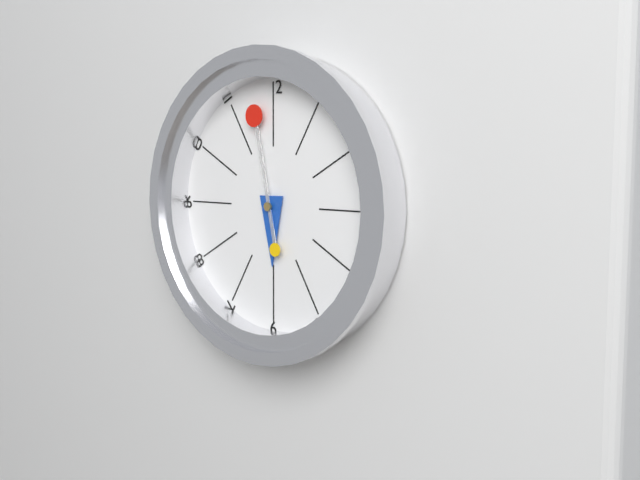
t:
5h58
